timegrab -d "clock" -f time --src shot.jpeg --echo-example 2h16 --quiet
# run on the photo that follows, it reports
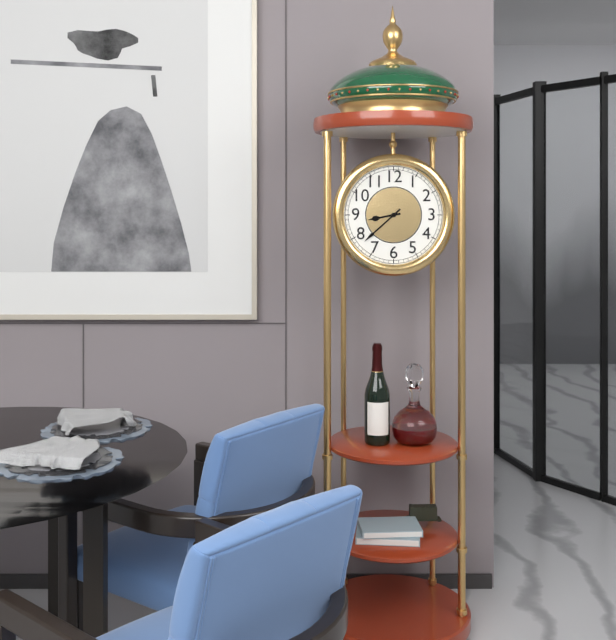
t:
8h38
